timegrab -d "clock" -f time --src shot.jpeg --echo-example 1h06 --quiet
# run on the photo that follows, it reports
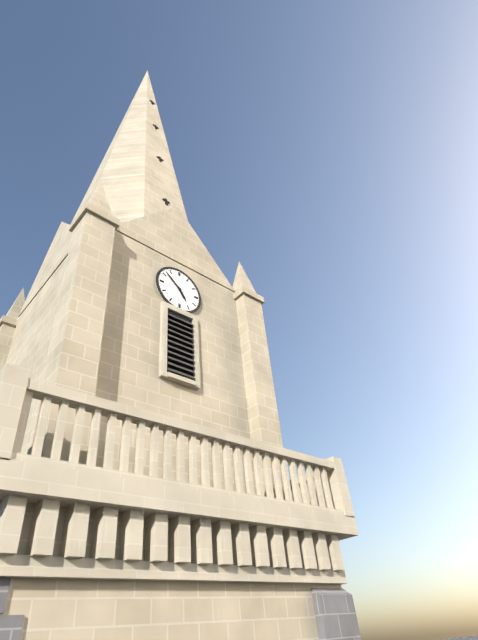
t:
4h52
